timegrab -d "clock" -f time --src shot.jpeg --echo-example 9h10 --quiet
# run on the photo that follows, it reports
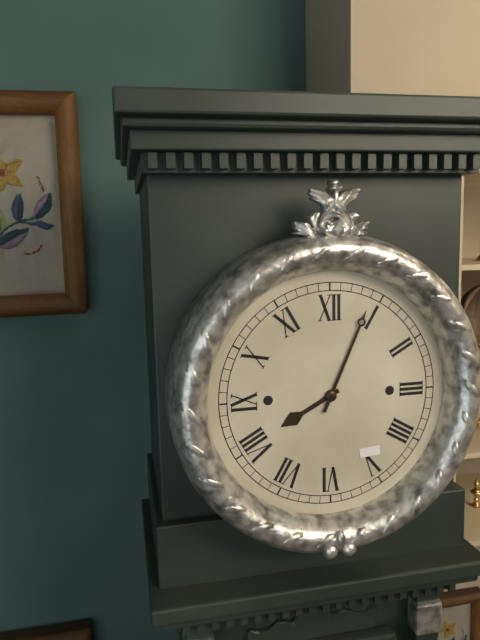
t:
8h04
